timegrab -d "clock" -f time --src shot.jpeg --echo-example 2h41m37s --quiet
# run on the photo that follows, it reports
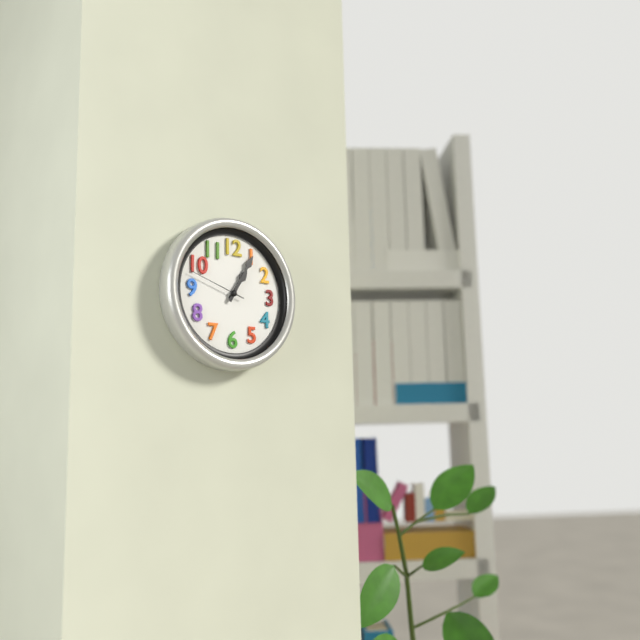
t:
1h05m48s
